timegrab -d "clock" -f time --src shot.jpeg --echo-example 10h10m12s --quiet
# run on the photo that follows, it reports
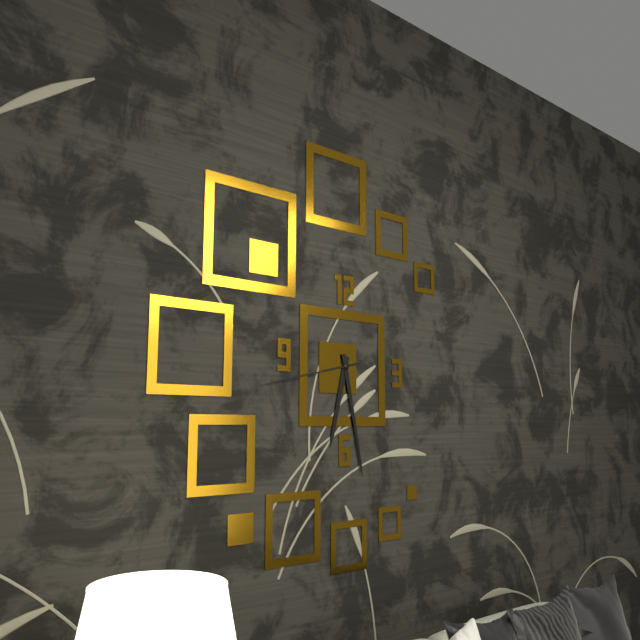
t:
6h28m43s
